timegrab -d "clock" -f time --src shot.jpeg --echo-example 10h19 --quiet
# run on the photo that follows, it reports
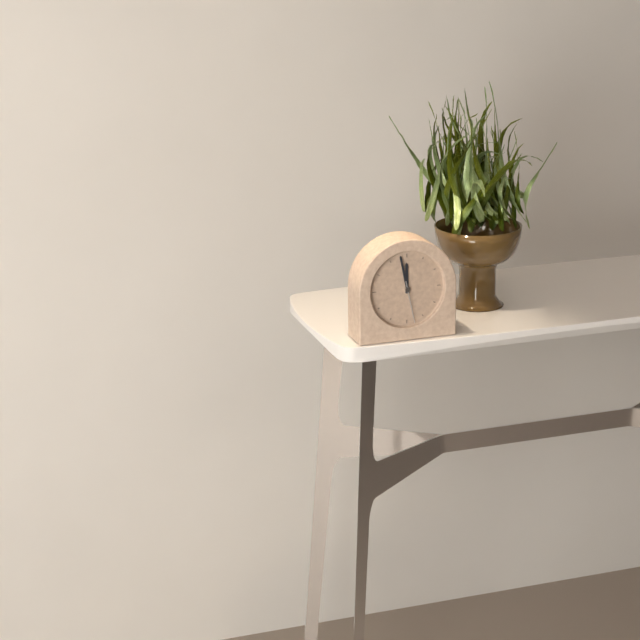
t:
11h58
